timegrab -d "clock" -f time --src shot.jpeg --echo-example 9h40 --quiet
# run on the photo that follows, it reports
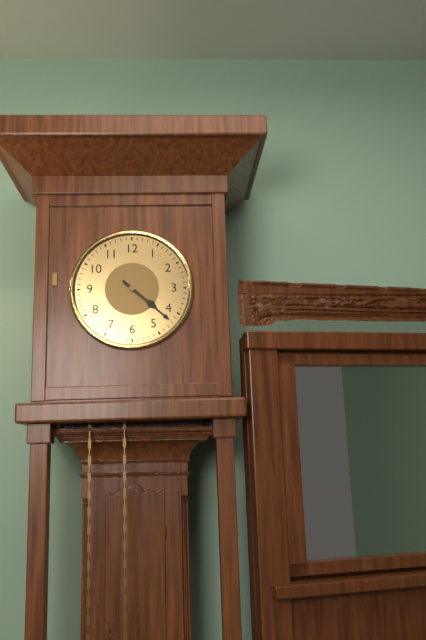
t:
4h22
